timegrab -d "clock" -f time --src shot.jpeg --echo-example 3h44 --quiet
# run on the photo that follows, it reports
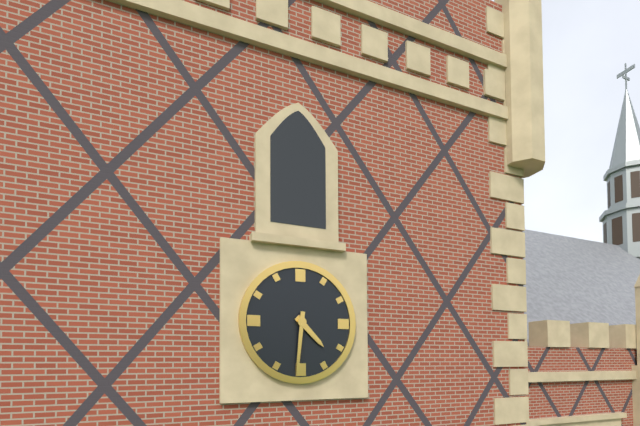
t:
4h31
